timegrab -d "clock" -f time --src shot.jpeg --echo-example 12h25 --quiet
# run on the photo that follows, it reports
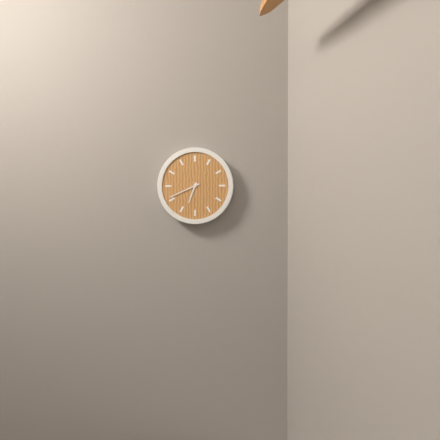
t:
6h41
